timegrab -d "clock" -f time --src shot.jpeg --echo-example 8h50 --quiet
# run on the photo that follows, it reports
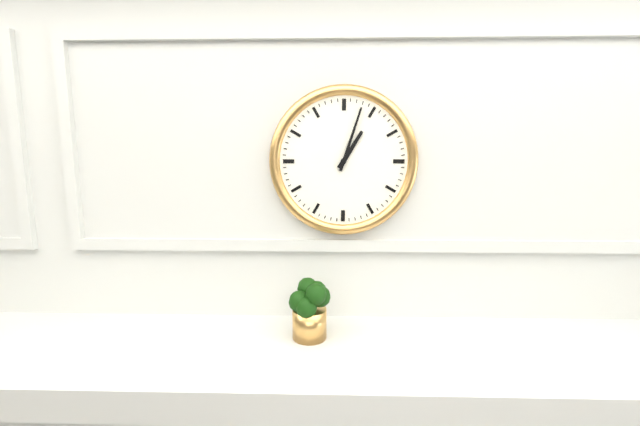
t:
1h03
